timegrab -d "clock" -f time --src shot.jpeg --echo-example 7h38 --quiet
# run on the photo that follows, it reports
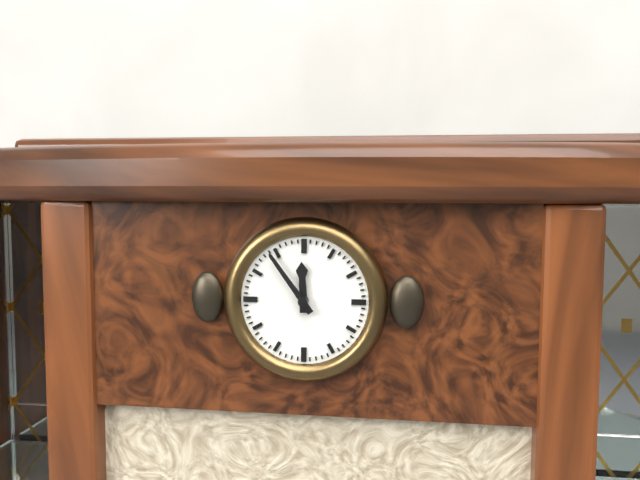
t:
11h54
